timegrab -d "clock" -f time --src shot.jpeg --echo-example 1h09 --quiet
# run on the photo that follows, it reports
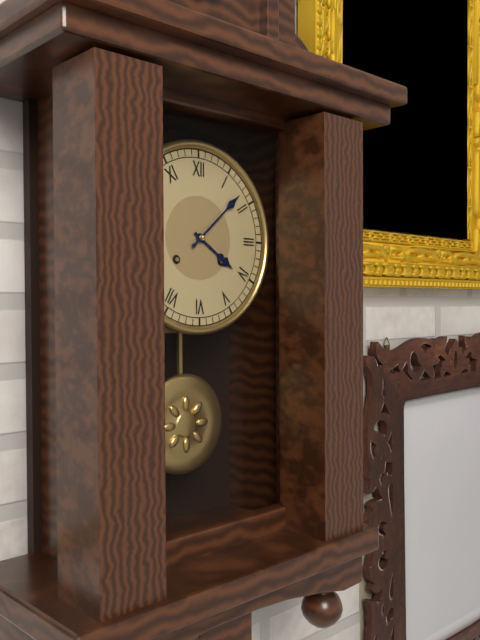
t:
4h08
